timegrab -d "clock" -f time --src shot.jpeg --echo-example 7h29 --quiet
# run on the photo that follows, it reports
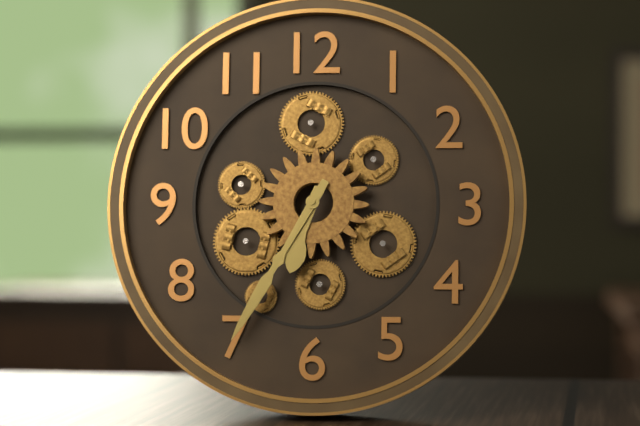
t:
6h35
